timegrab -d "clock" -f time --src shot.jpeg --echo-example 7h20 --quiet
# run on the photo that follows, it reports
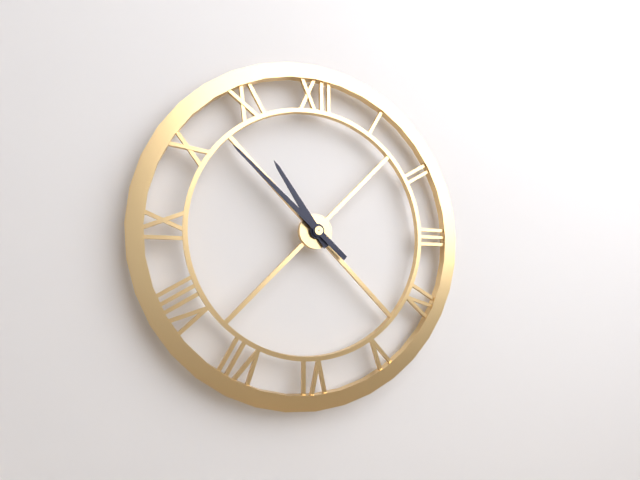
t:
10h52
